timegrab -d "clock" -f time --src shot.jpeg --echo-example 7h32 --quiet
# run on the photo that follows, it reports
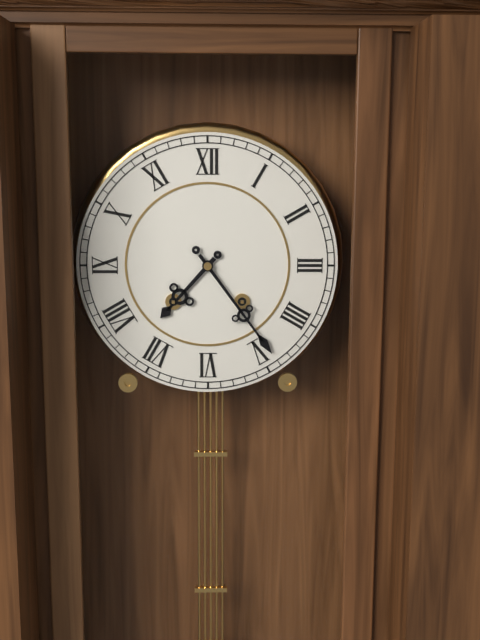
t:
7h24
